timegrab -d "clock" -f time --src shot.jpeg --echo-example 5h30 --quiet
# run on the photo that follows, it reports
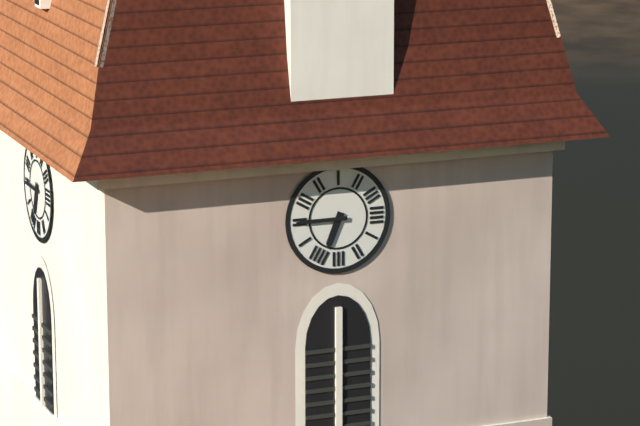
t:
6h45
